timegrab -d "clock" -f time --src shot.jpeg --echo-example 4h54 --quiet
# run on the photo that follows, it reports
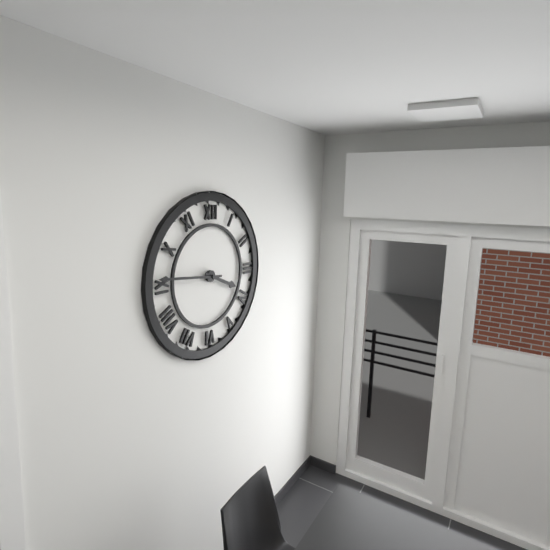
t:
3h46
